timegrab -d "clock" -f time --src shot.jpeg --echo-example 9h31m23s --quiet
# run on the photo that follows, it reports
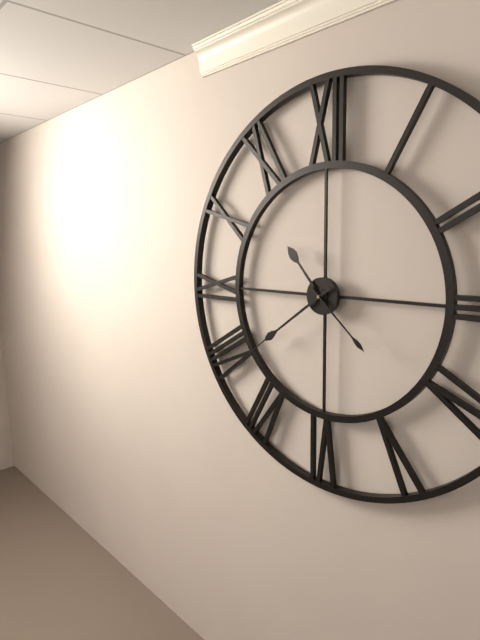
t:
10h39m22s
